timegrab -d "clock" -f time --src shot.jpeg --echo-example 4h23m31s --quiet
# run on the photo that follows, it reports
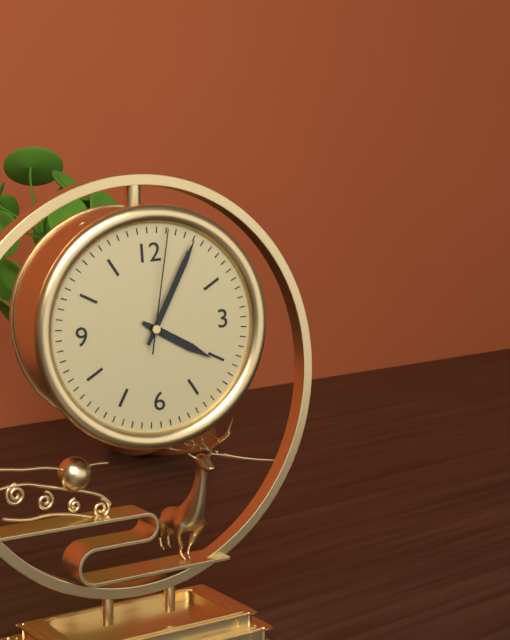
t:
4h05m02s
